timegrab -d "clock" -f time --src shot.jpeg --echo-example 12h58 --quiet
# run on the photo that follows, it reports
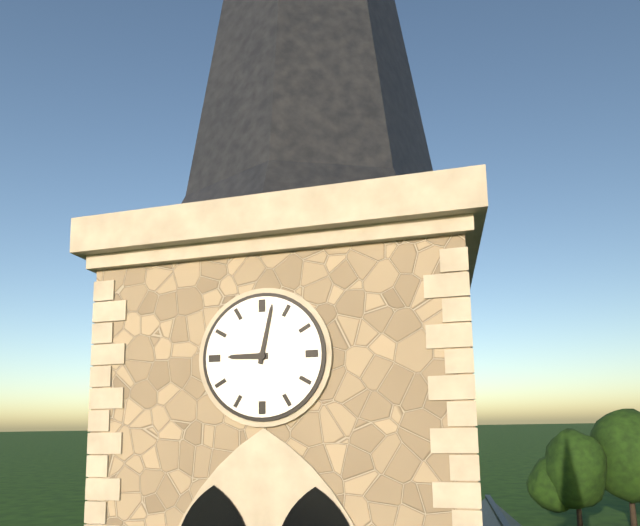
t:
9h02
